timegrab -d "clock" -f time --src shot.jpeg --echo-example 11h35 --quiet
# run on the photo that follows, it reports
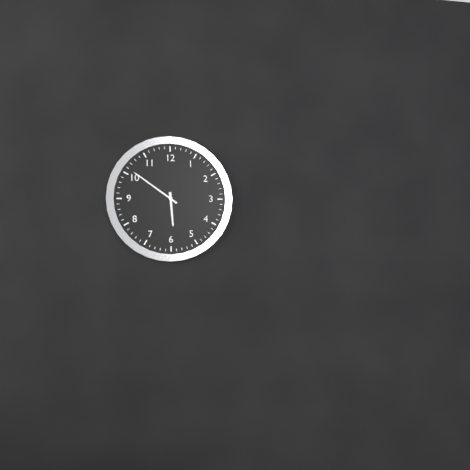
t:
5h51
